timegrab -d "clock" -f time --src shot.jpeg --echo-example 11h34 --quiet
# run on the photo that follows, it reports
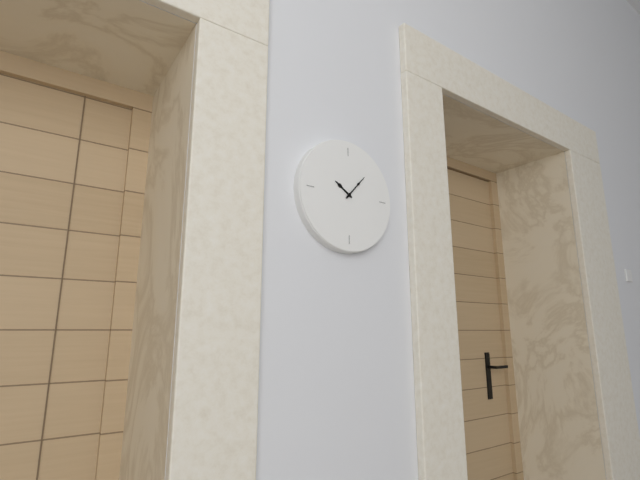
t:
10h07
